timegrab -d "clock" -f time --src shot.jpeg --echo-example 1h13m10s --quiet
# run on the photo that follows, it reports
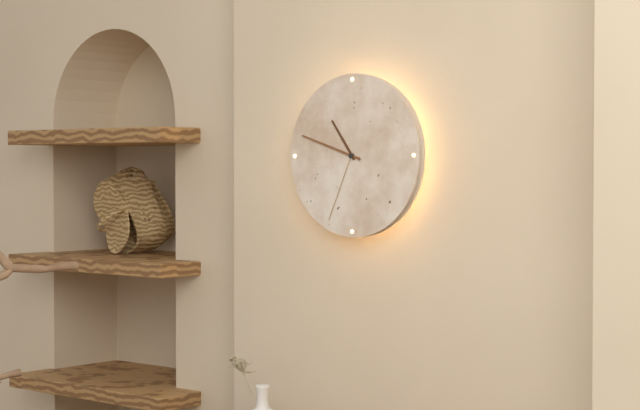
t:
10h48m34s
